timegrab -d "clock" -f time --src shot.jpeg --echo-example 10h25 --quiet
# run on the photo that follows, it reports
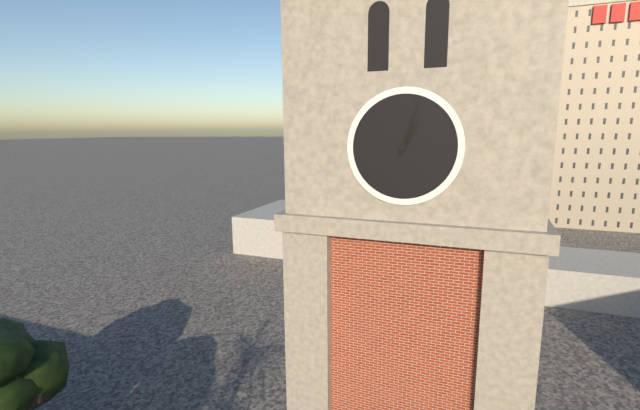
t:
1h03
